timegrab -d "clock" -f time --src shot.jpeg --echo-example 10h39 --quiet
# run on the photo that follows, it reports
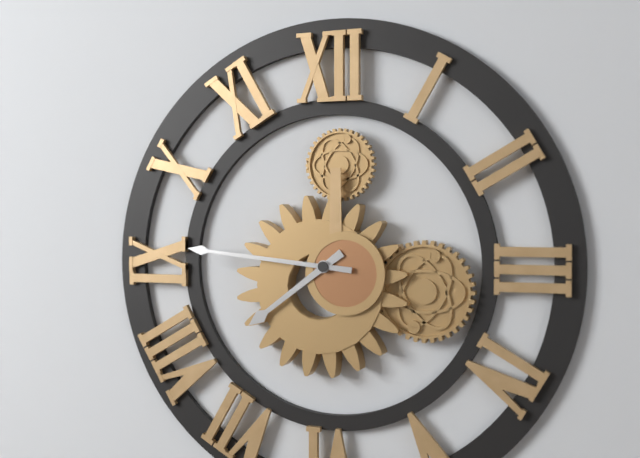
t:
7h46
